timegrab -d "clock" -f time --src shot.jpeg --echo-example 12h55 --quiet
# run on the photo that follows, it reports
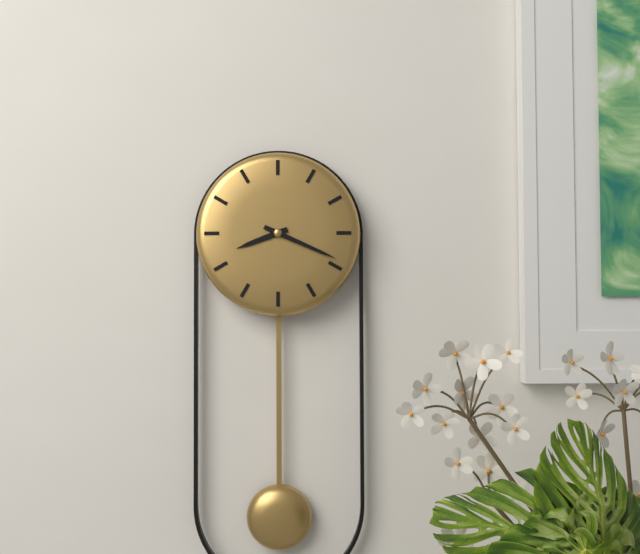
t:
8h19
